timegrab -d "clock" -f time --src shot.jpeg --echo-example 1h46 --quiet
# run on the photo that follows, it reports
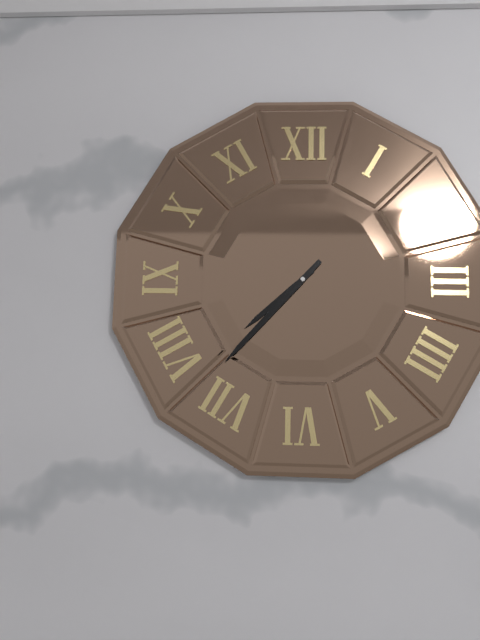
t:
7h37
